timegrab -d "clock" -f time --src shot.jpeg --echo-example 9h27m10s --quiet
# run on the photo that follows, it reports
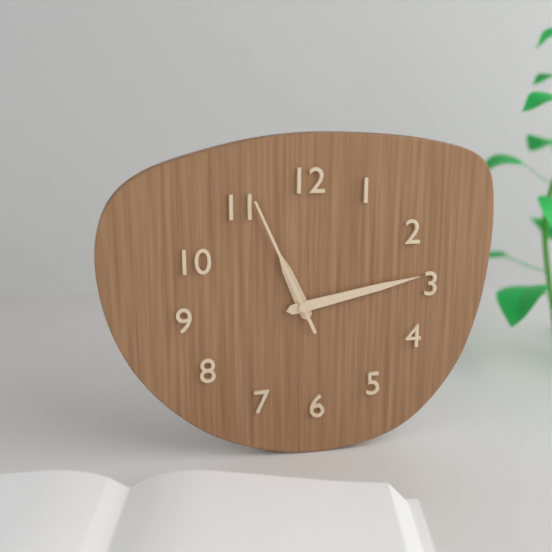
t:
11h13m56s
